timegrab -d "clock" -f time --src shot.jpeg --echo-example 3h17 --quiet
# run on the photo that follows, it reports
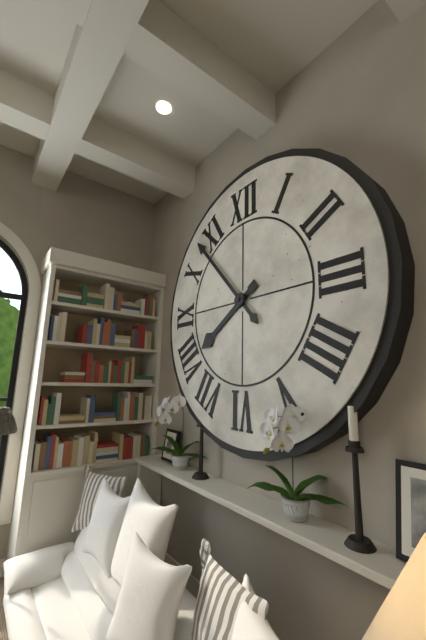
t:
7h53
